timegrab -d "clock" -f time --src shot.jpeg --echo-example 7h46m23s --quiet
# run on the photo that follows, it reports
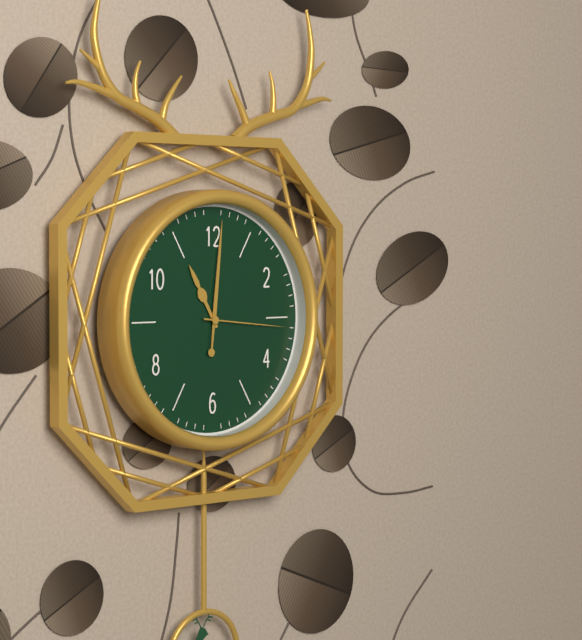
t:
11h01m16s
